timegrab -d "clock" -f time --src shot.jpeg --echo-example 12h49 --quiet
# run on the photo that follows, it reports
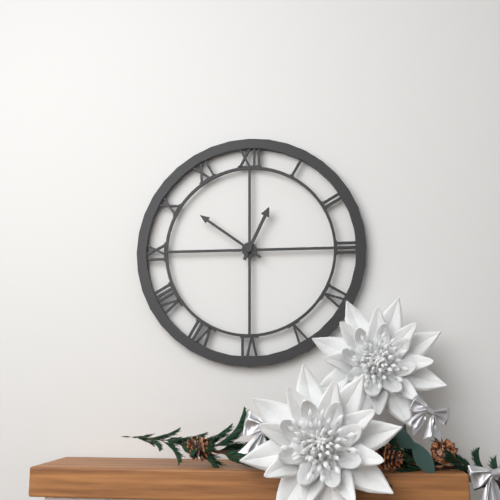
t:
12h51
